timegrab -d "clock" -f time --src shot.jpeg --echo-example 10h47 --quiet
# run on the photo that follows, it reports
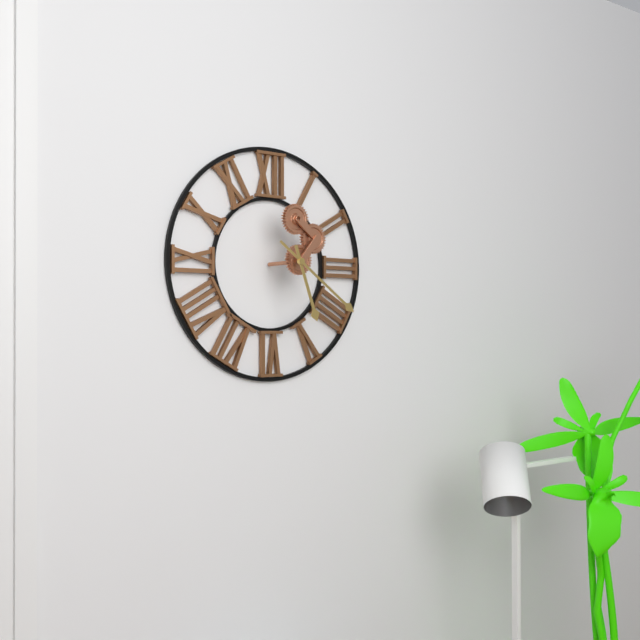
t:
5h21
